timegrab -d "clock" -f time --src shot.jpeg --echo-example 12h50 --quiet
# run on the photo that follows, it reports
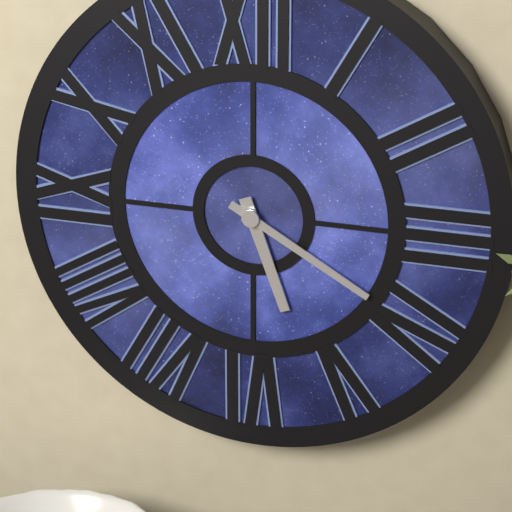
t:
5h20
